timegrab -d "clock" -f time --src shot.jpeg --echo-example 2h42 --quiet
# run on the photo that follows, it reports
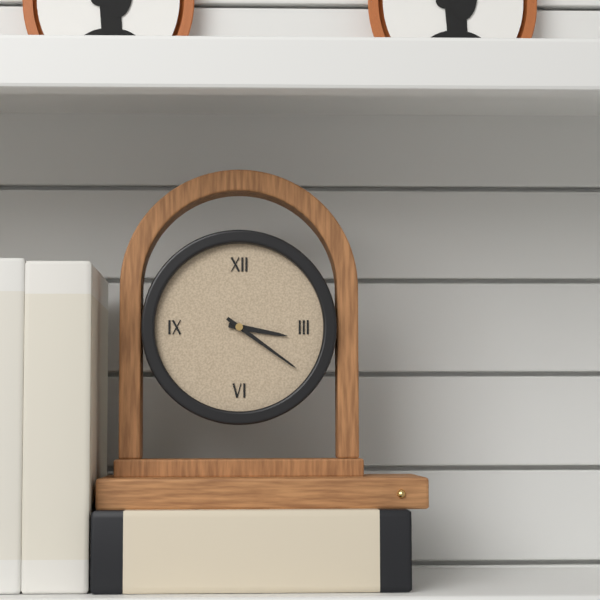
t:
3h21
